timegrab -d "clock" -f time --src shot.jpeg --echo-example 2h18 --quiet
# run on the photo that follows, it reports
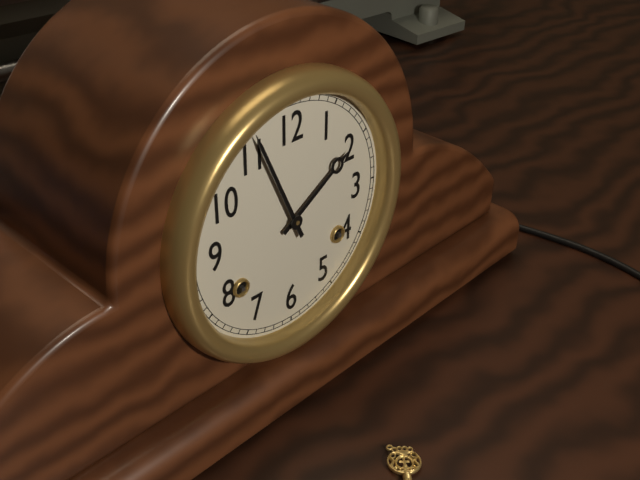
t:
1h56
